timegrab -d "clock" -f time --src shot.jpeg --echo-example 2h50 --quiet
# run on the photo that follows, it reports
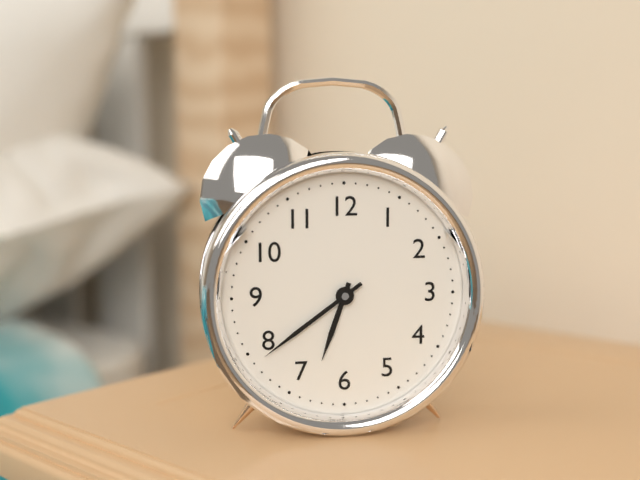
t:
6h39
